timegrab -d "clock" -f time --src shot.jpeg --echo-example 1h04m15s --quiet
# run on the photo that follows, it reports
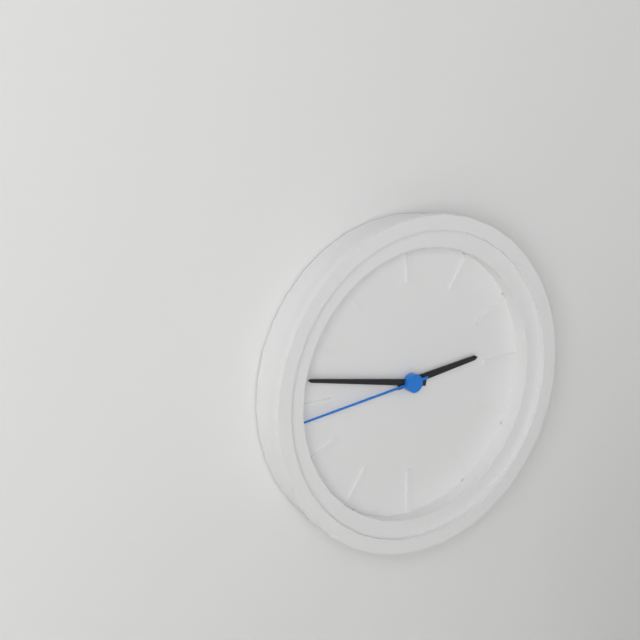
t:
2h47m44s
